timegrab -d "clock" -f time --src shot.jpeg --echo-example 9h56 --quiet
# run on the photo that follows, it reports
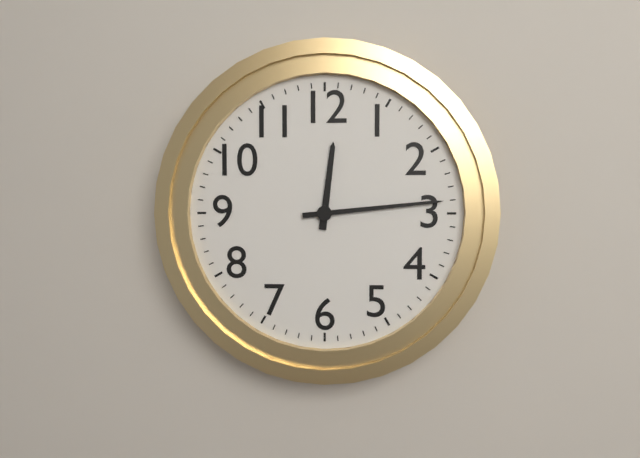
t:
12h14
